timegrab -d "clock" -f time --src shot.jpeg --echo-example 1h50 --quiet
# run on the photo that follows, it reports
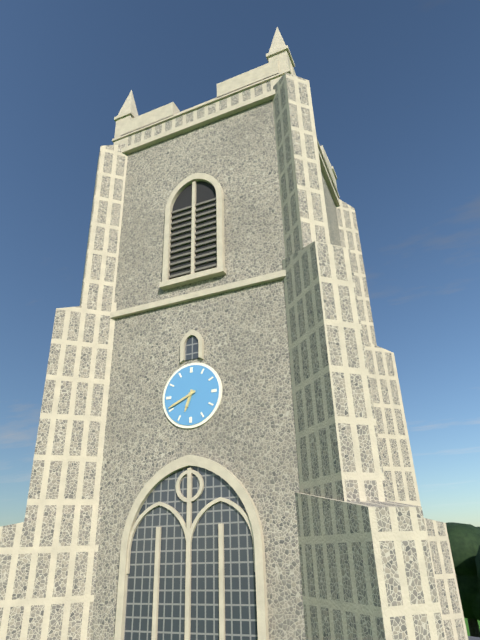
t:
6h41
